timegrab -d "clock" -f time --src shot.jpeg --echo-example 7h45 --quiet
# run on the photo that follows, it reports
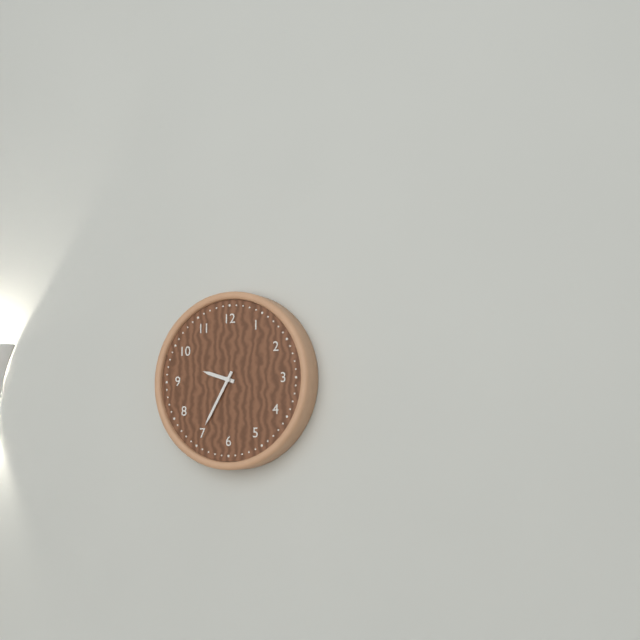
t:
9h35
